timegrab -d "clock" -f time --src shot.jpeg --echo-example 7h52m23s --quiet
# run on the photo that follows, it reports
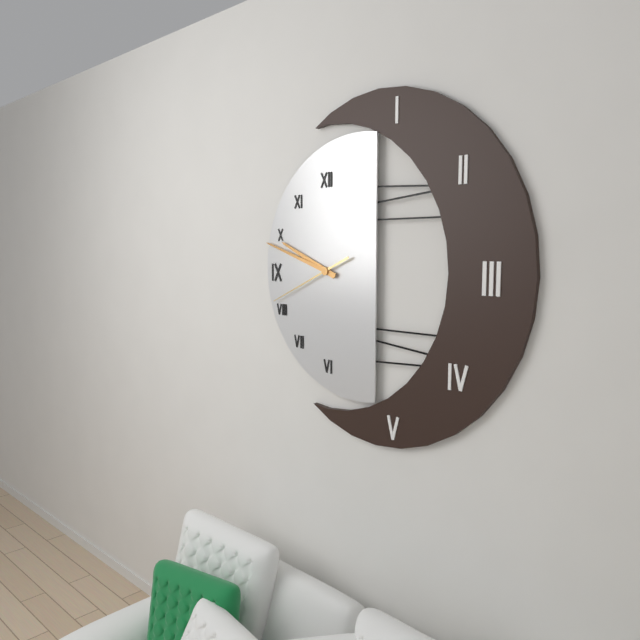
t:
9h48m41s
